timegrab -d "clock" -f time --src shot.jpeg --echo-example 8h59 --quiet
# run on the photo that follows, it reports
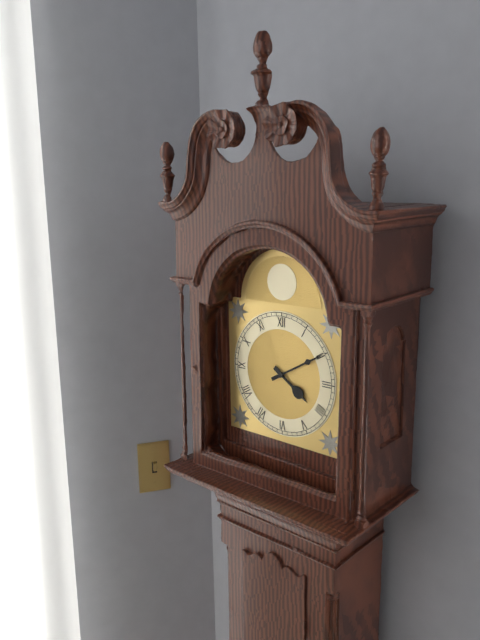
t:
4h10
